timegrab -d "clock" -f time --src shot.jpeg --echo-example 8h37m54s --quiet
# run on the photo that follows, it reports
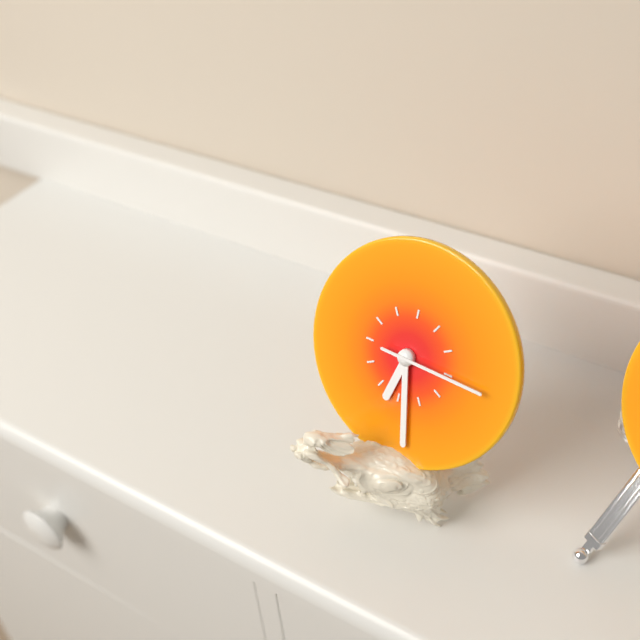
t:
6h28m15s
